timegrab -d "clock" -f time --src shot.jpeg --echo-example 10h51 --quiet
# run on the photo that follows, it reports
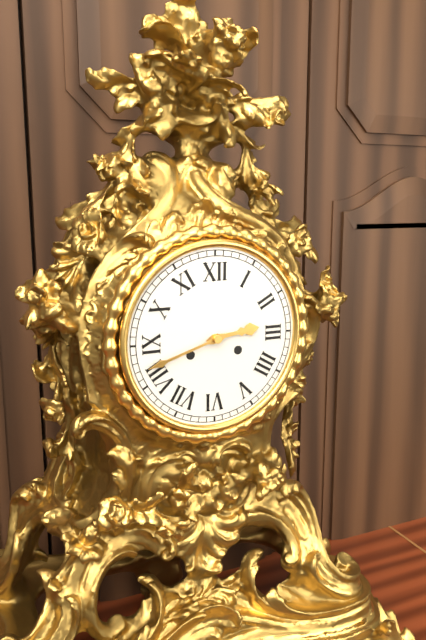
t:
2h42
